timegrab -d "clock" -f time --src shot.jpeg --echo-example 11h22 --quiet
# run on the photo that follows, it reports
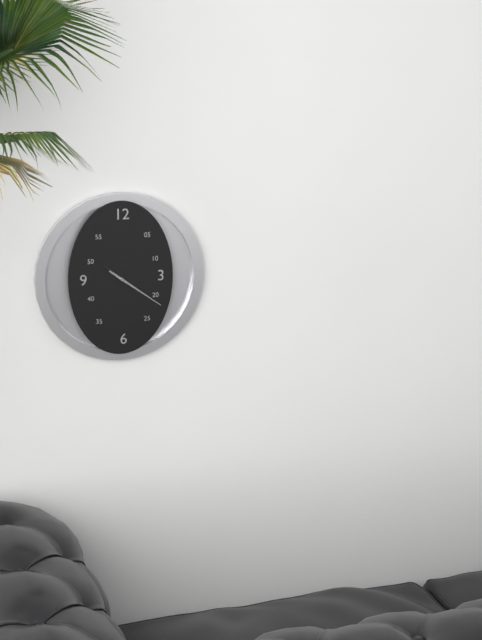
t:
10h21
